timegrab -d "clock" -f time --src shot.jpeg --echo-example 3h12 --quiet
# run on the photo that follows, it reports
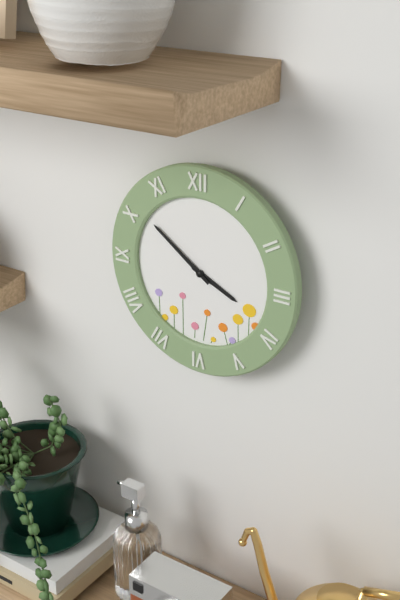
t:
3h51
